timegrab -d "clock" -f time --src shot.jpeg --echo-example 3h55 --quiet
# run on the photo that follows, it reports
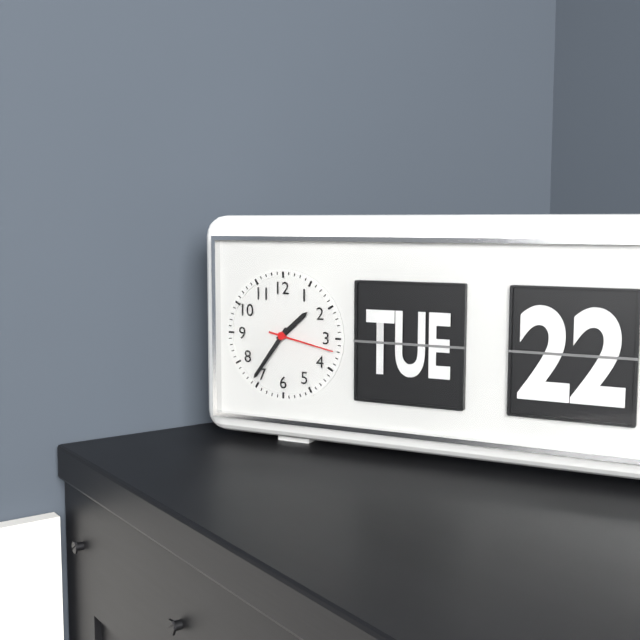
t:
1h36
